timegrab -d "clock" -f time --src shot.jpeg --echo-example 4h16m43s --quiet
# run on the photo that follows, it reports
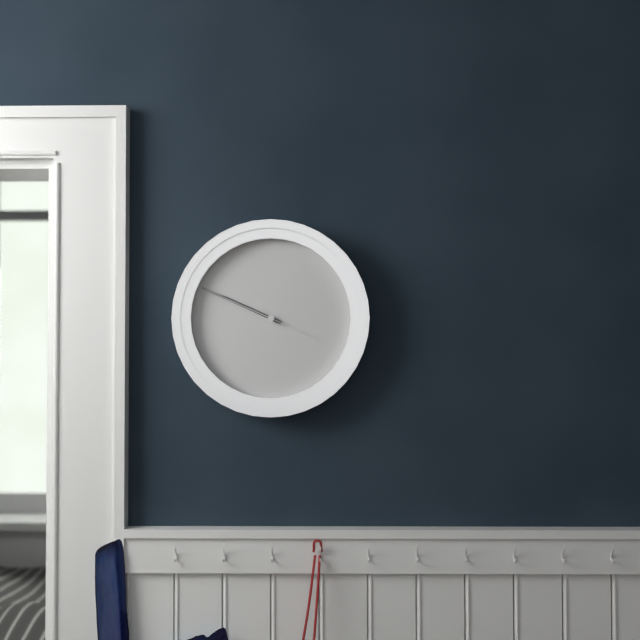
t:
9h49m49s
